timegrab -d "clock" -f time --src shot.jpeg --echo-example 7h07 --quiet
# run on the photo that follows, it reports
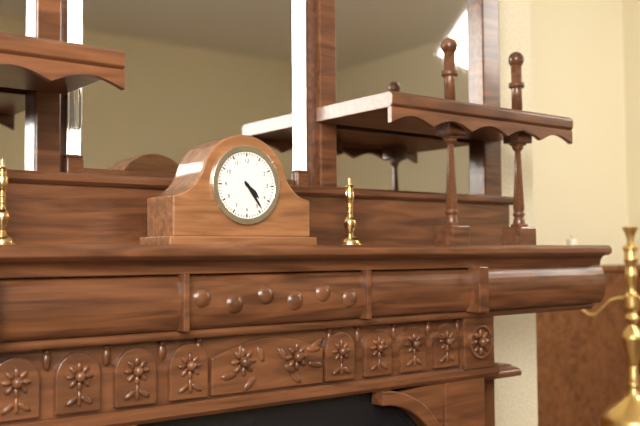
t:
4h24
